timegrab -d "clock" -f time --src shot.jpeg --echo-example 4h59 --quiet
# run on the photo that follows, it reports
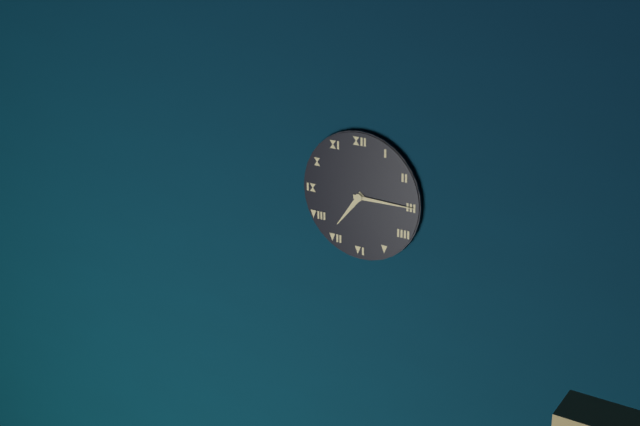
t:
7h15
